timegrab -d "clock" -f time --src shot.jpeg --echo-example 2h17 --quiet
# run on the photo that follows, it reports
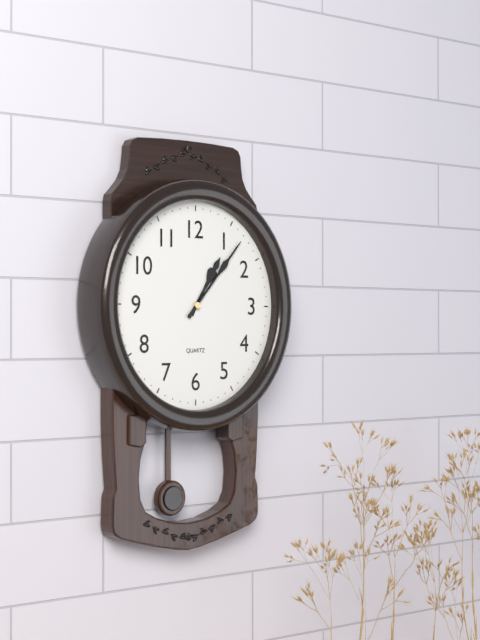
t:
1h07
